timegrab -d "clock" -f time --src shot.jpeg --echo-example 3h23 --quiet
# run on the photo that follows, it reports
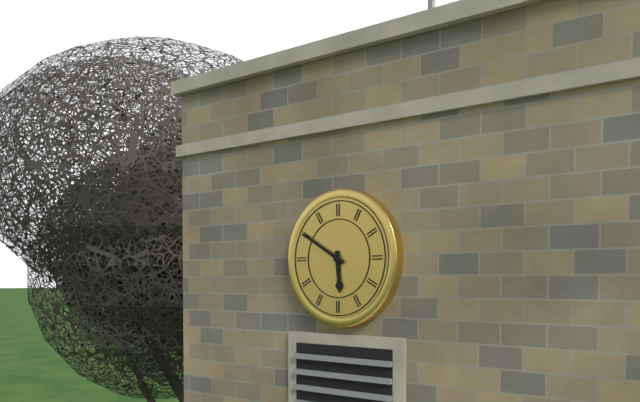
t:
5h50
